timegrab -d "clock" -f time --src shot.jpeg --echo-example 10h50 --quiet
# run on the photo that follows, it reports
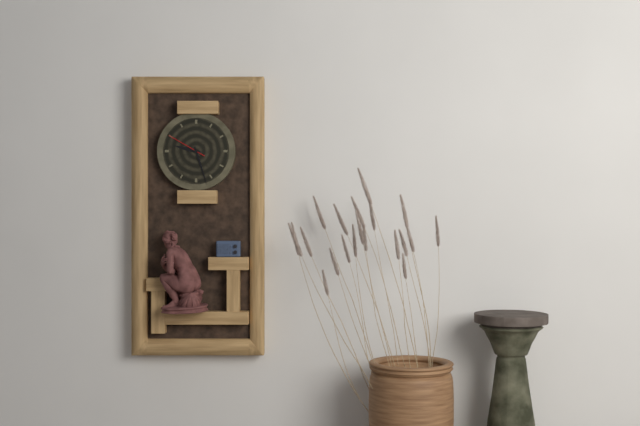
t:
9h27
